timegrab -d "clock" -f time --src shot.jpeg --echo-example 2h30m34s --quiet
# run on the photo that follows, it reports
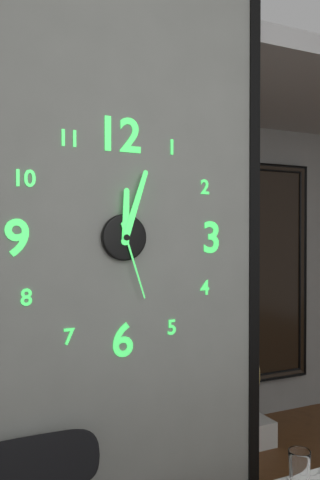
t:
12h03m27s
